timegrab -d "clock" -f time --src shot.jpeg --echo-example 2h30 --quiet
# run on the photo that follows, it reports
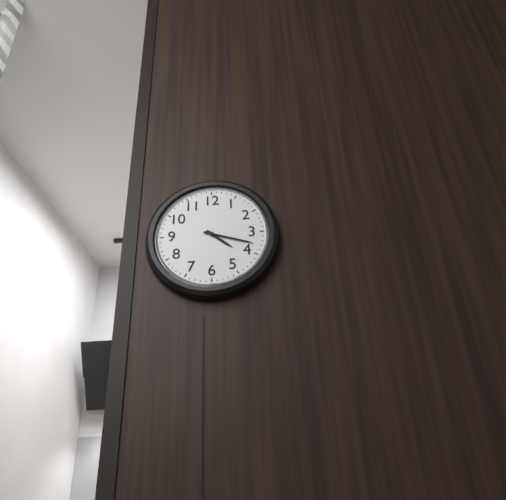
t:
4h18
